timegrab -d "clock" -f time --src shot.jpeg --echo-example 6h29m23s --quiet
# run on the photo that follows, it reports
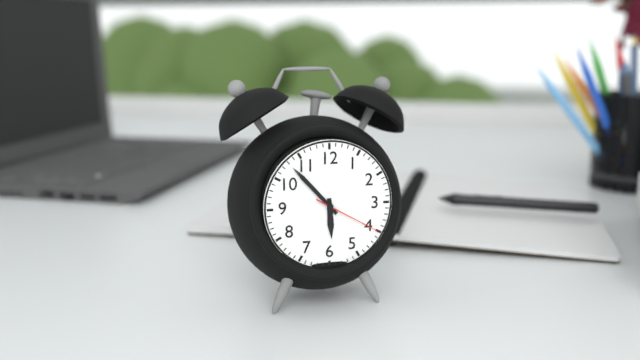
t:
5h53m20s
